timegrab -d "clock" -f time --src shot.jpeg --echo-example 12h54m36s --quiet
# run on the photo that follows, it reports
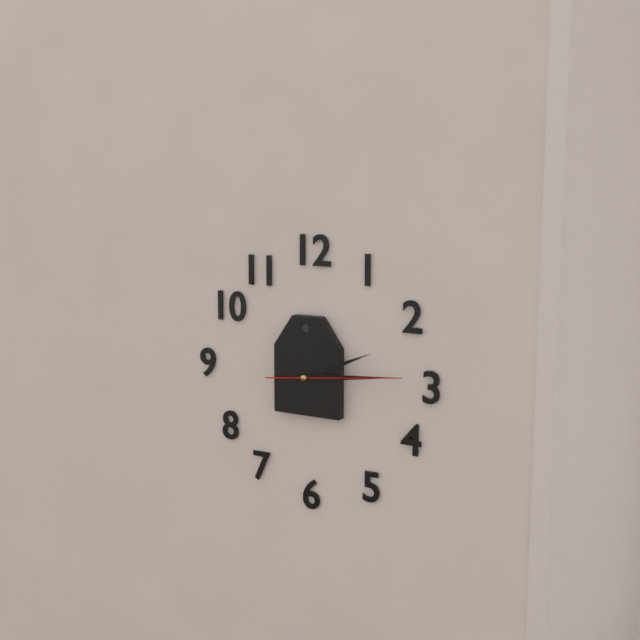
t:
2h14m14s
